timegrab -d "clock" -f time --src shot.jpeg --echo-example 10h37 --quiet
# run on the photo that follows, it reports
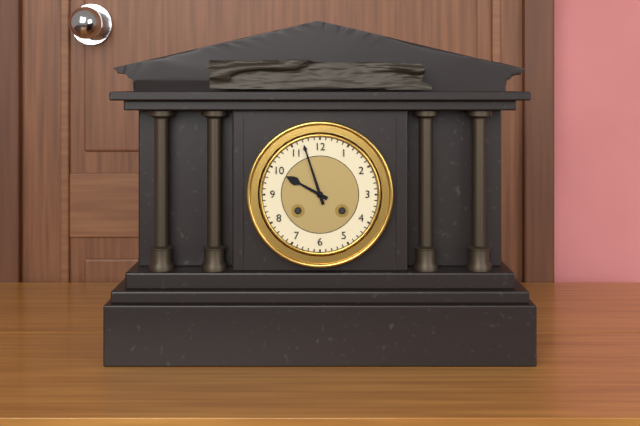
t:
9h57
